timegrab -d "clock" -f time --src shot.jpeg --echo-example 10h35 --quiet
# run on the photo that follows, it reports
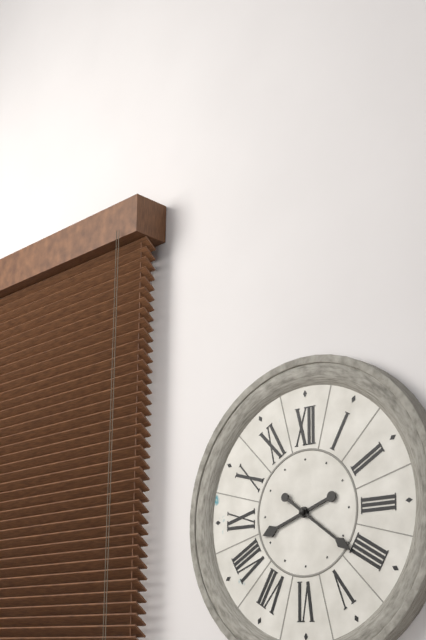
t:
8h21
